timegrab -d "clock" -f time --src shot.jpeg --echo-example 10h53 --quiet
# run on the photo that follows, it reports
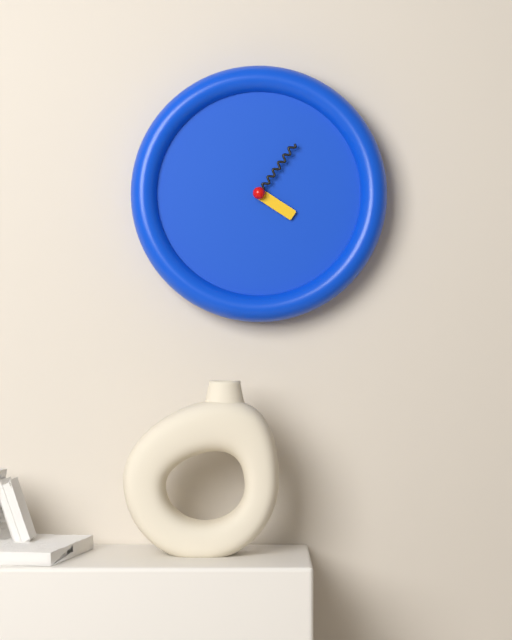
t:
4h06
